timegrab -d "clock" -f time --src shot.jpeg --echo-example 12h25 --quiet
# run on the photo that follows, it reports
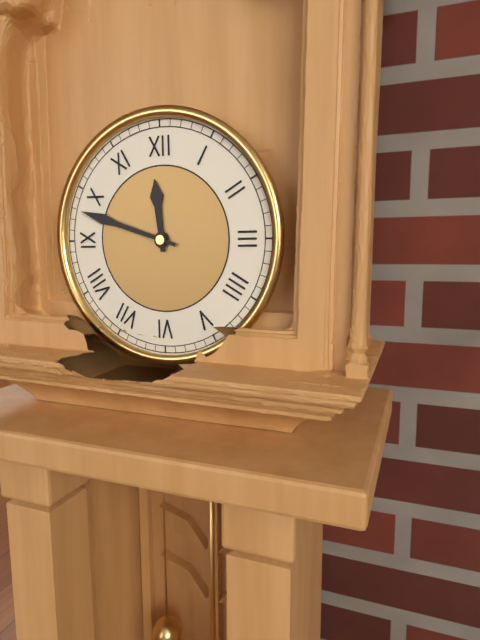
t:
11h48
